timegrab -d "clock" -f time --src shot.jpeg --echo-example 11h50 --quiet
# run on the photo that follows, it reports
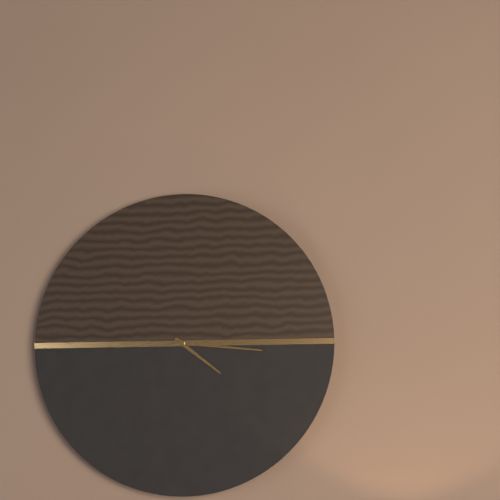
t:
4h16
